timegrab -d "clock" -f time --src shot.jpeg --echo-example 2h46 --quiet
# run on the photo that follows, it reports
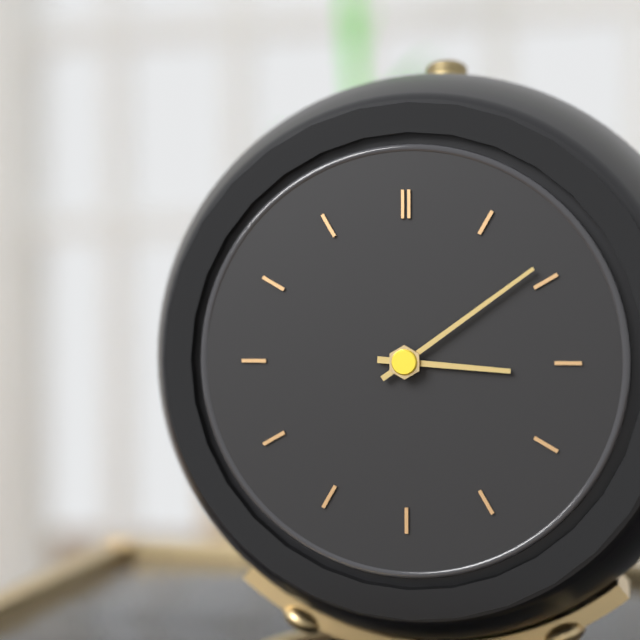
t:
3h09
